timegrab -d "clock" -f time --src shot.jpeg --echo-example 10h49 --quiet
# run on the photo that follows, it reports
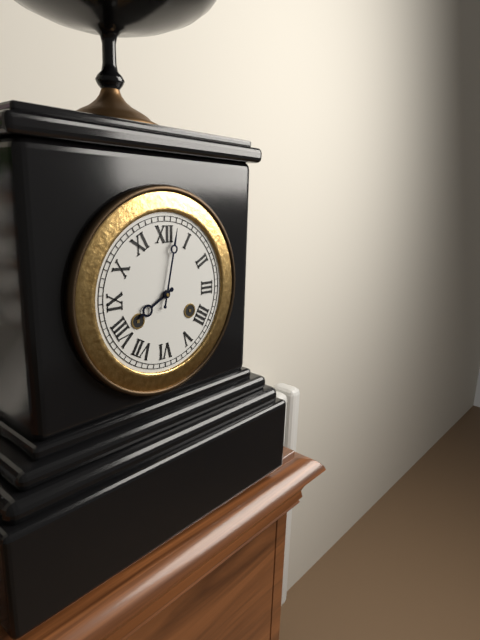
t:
8h02
